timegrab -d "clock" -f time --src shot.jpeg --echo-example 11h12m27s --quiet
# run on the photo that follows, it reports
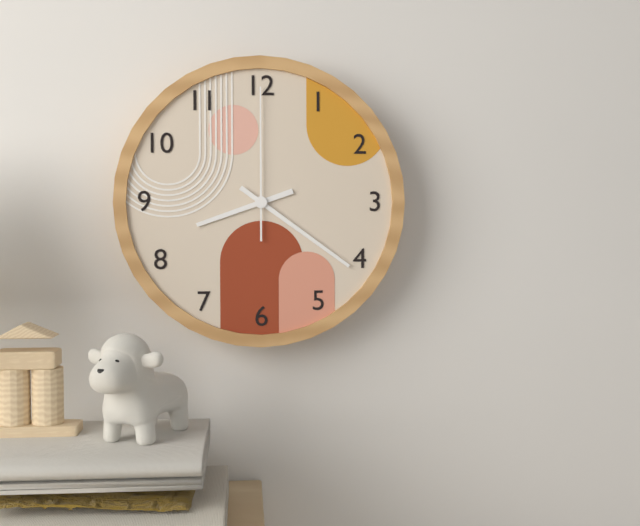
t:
8h21m00s
